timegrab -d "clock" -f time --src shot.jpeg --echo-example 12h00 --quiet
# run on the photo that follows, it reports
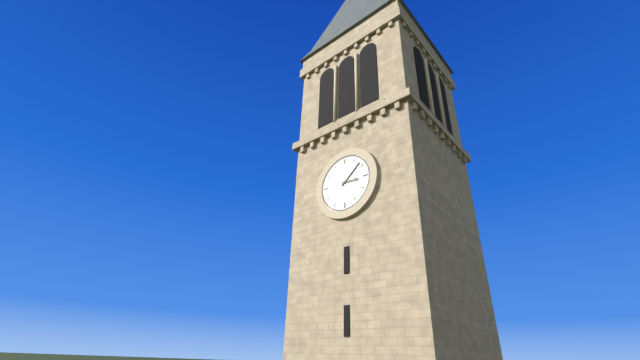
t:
3h08
